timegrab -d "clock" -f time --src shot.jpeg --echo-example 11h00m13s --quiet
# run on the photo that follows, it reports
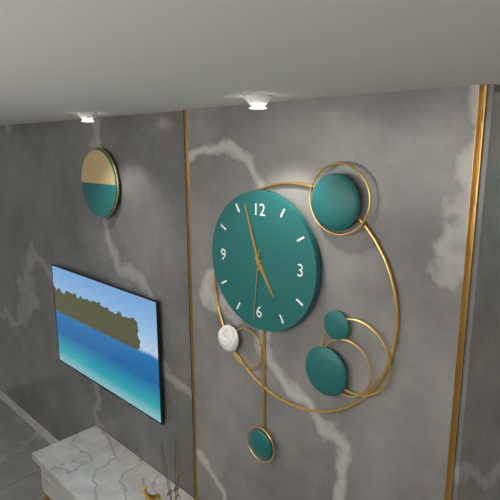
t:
4h57m31s
